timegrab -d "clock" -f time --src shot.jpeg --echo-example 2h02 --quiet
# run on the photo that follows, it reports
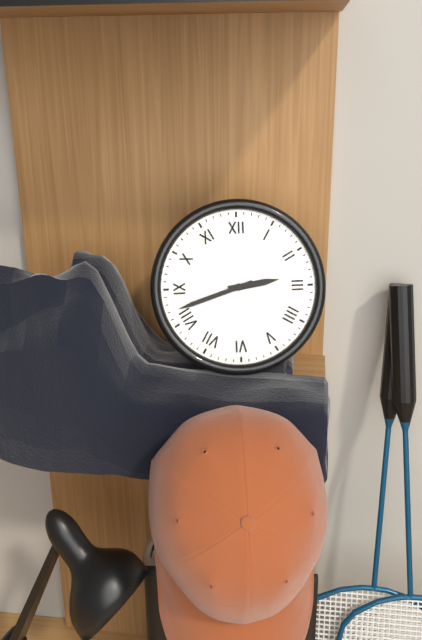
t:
2h42
